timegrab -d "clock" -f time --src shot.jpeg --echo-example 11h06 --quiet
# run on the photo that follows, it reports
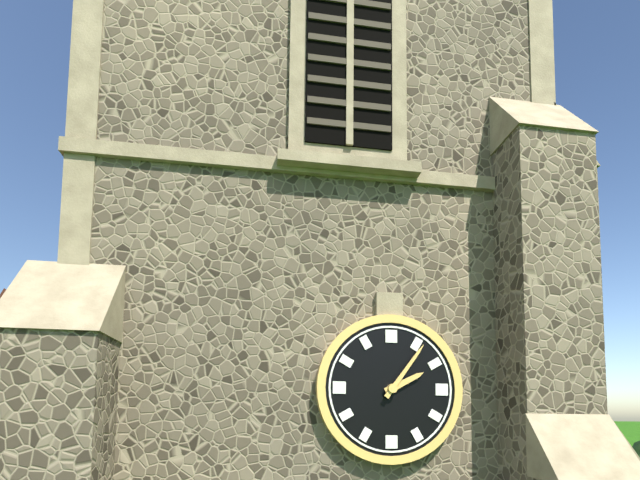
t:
2h06
